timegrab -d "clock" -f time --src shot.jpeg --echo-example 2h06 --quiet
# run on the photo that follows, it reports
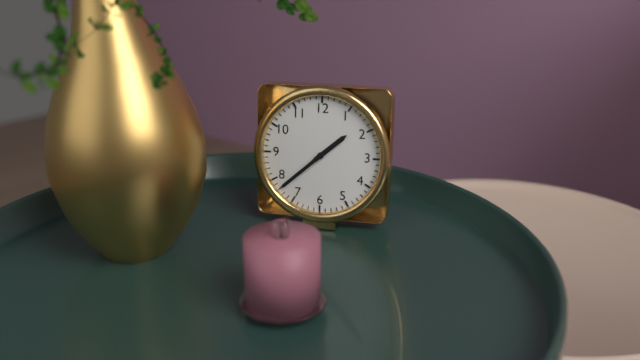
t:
1h38
